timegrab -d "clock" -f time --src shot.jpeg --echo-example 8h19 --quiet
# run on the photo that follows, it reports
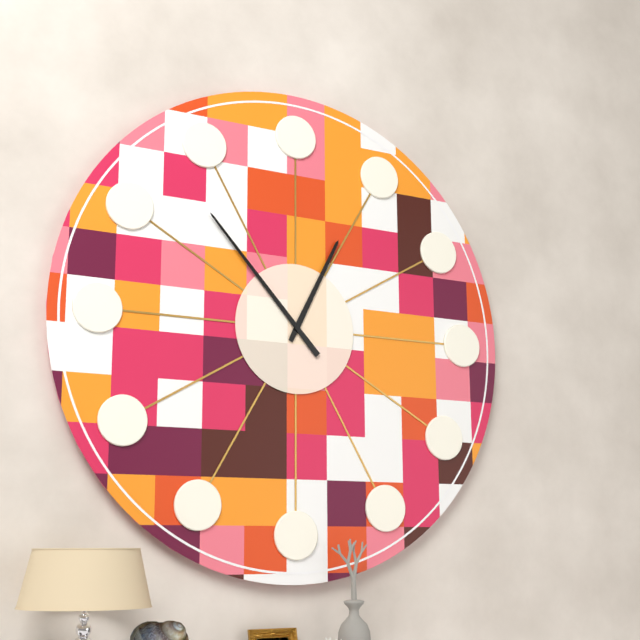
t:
12h53
